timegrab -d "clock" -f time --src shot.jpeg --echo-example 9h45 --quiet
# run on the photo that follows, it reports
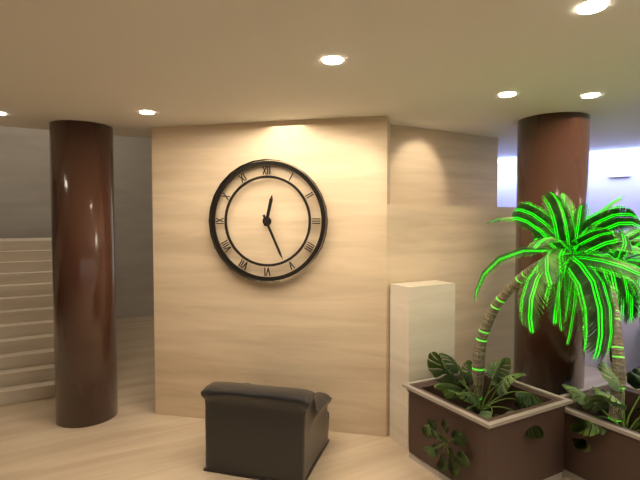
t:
12h26
